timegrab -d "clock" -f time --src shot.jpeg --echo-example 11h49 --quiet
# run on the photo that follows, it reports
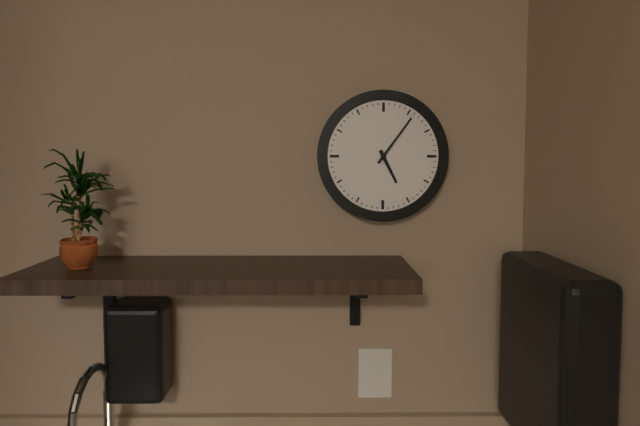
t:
5h06
